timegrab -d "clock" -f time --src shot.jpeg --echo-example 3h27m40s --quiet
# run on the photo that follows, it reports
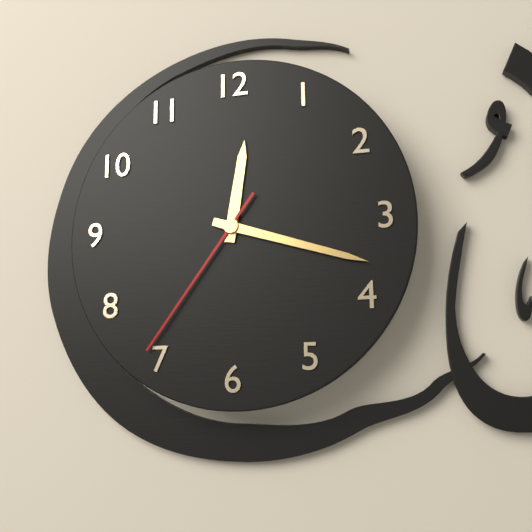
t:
12h18m36s
